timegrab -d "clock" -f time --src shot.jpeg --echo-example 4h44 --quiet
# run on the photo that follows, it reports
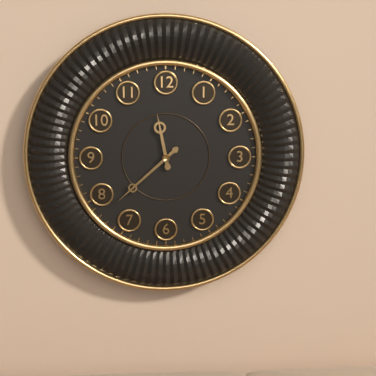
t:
11h38
